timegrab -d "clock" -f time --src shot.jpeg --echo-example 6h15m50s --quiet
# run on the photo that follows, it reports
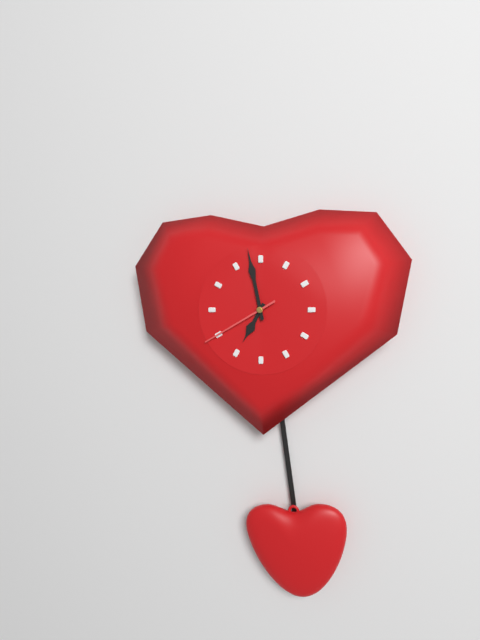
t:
6h58m40s
